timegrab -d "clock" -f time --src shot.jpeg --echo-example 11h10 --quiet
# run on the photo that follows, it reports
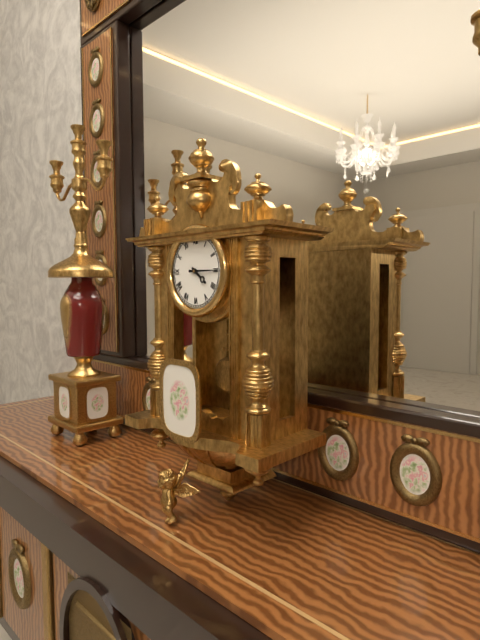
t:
4h15
